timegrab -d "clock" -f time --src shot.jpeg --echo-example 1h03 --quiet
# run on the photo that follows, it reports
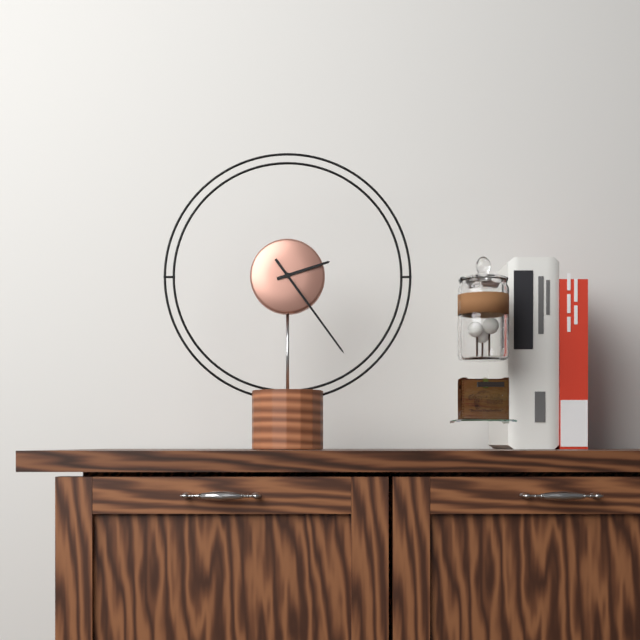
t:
2h24
